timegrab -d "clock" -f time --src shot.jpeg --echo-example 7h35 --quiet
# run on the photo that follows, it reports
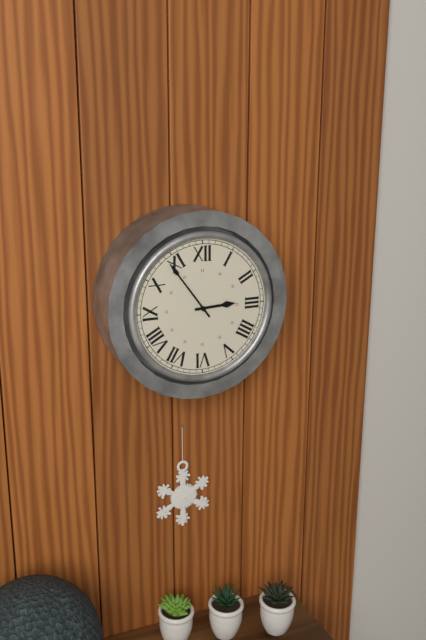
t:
2h54
